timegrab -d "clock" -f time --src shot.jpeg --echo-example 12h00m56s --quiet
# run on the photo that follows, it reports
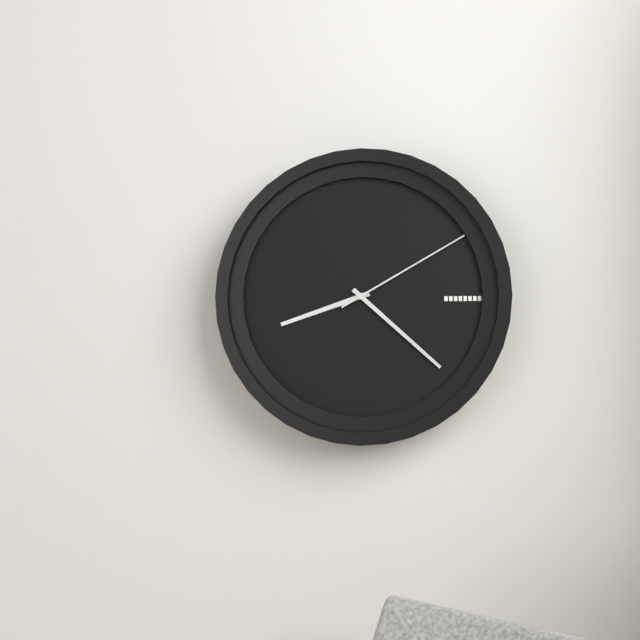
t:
8h22m10s
